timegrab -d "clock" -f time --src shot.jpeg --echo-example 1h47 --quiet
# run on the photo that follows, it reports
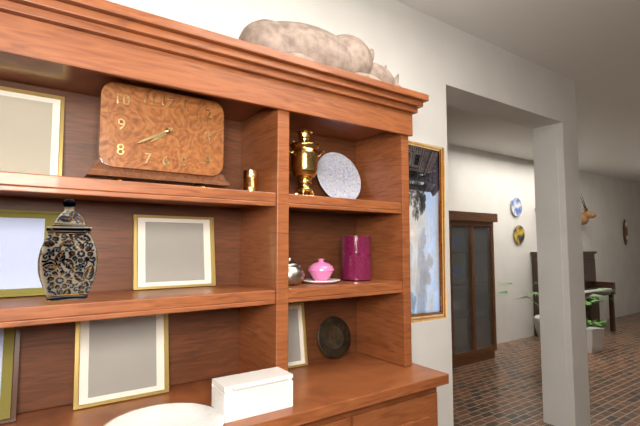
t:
7h40
